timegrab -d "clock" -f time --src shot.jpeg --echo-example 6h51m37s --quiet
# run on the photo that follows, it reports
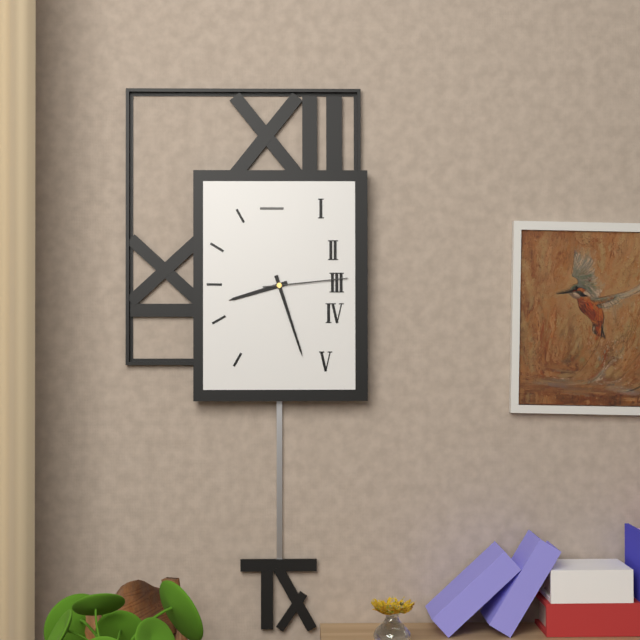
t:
8h27m14s
